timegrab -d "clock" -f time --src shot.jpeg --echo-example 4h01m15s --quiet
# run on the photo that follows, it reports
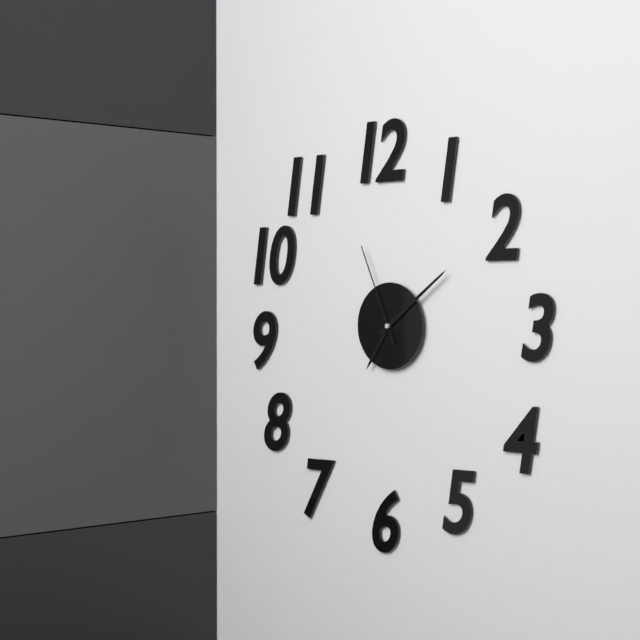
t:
7h09m56s
